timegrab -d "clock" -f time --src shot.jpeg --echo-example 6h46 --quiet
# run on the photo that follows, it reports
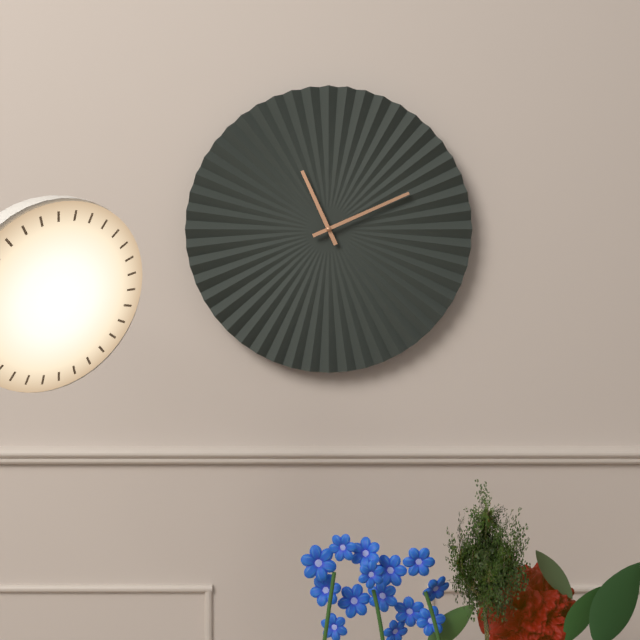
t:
11h11
